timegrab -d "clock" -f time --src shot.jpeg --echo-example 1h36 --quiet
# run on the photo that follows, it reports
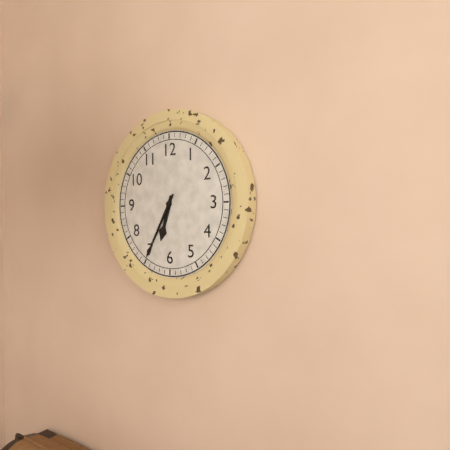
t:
6h35
